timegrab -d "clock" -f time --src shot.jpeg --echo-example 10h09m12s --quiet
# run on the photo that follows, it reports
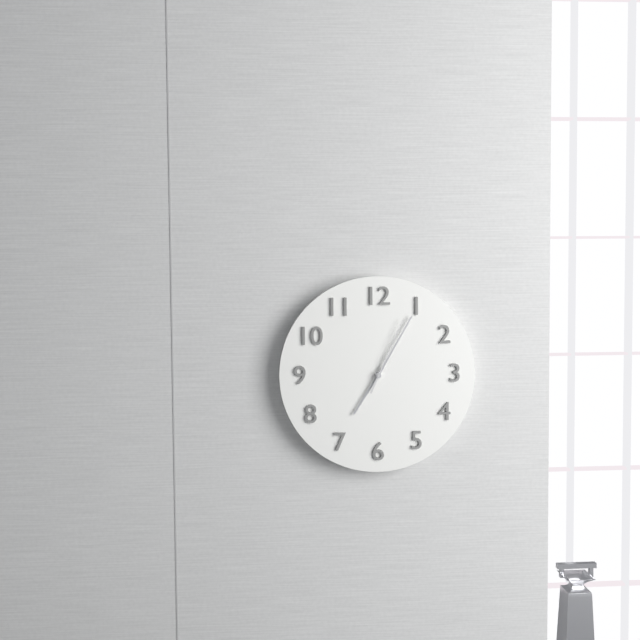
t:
7h05m04s
